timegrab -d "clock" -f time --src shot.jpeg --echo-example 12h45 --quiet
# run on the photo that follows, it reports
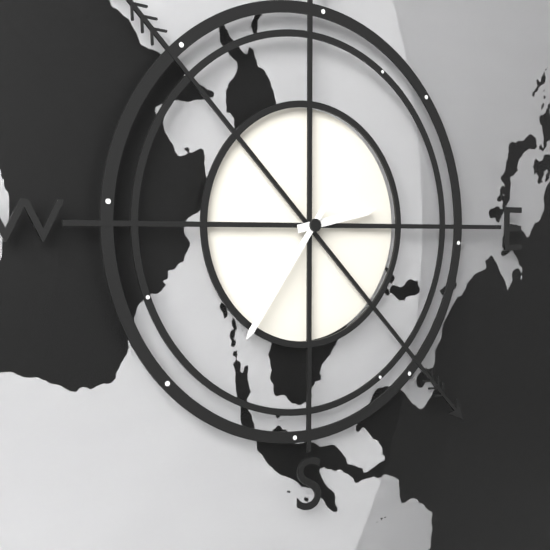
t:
2h36
